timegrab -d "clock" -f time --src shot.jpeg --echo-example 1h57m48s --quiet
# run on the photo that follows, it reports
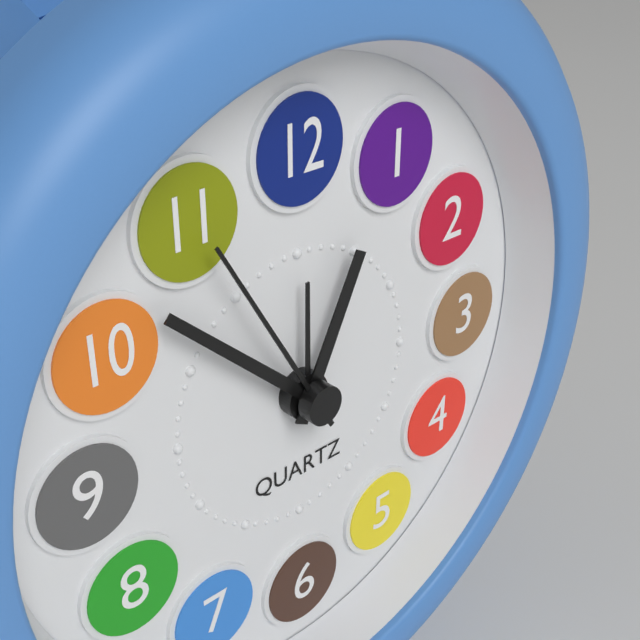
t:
12h52m55s
